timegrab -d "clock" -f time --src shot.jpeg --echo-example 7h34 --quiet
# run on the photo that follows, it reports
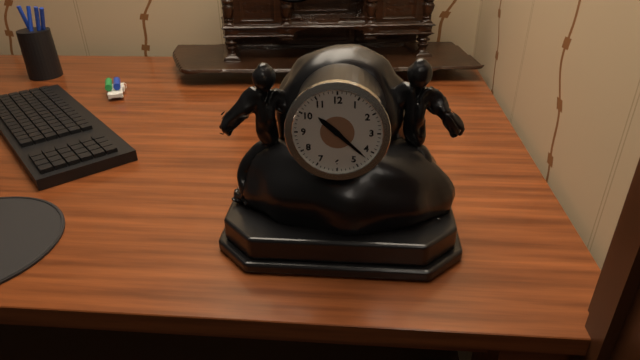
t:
10h22
